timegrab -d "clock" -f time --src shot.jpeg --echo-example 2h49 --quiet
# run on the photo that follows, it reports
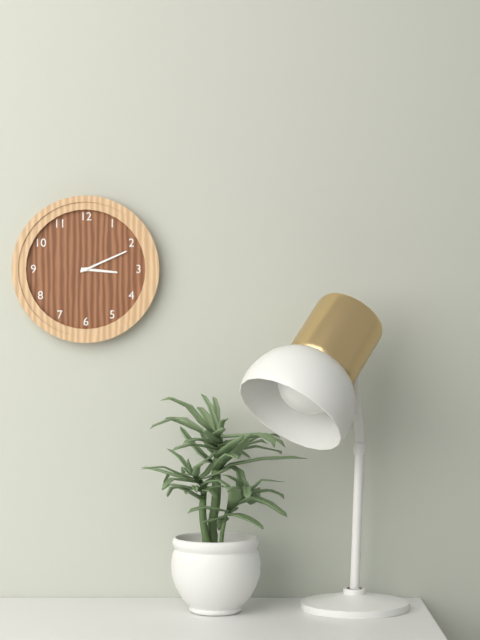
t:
3h11
